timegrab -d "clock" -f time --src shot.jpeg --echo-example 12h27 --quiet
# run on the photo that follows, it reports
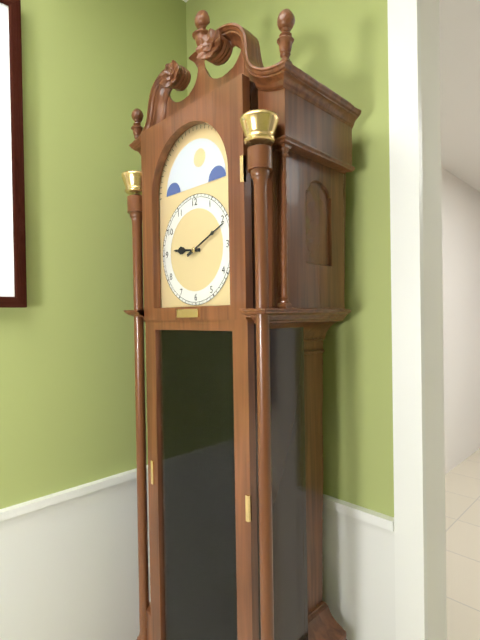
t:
9h11
